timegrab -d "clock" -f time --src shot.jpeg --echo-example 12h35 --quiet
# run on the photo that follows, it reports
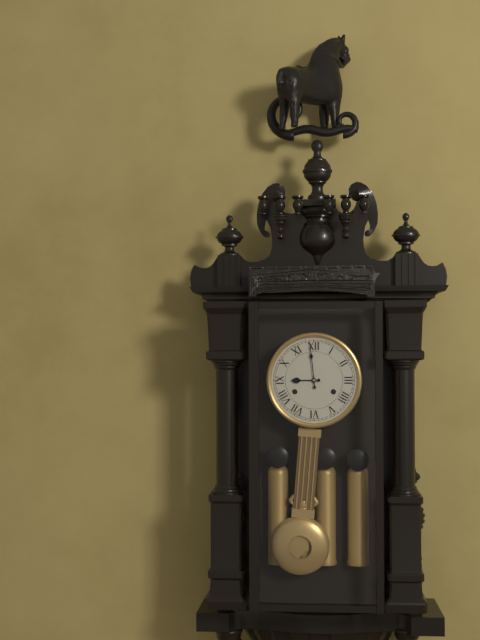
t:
8h59
